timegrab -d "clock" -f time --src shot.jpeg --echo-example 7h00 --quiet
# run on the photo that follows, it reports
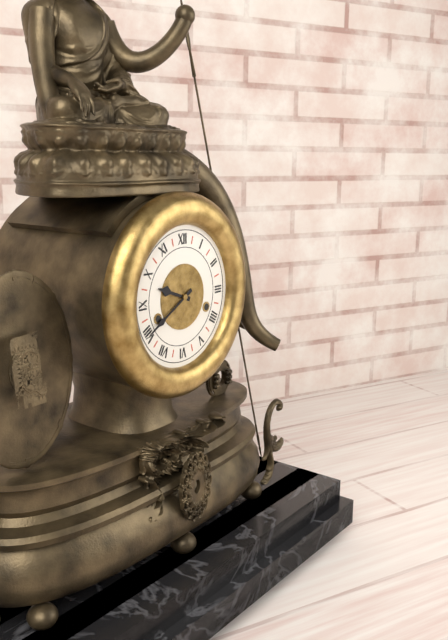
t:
9h40
